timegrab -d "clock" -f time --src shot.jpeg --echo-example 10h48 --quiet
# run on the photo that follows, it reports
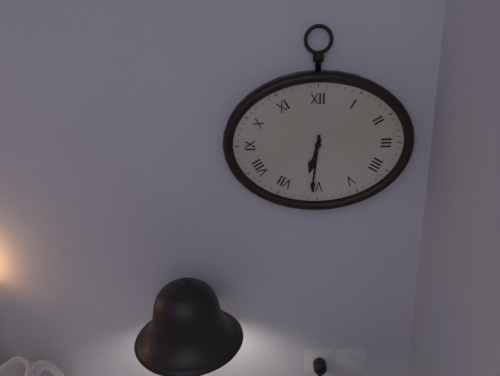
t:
6h31
